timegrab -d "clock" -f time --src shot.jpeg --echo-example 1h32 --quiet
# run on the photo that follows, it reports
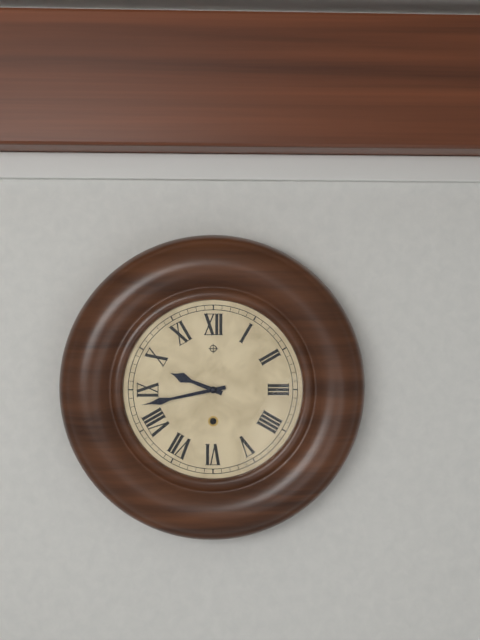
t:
9h43
